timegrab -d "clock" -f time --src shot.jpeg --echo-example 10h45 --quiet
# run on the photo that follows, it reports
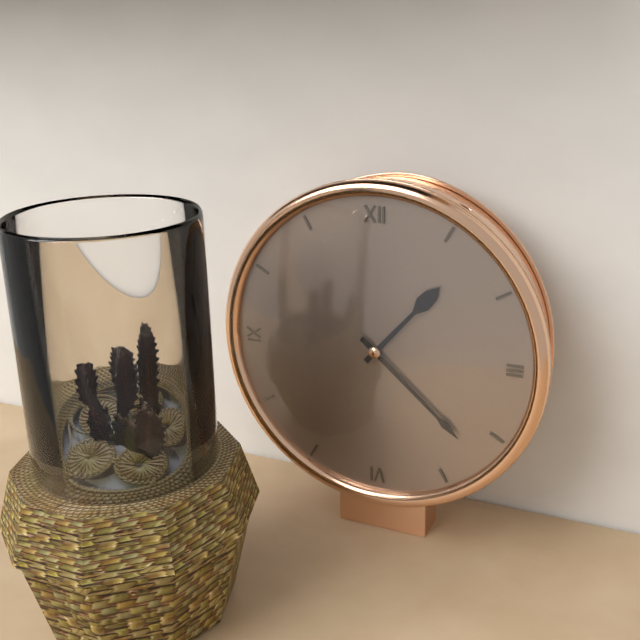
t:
1h22
